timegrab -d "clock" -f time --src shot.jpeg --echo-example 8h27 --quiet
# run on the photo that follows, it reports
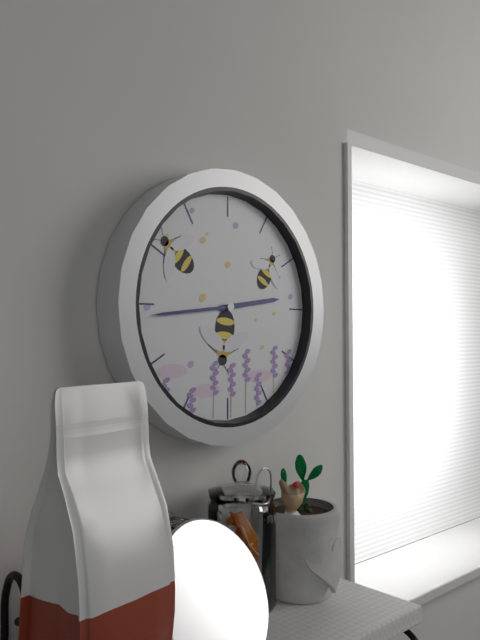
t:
2h44
